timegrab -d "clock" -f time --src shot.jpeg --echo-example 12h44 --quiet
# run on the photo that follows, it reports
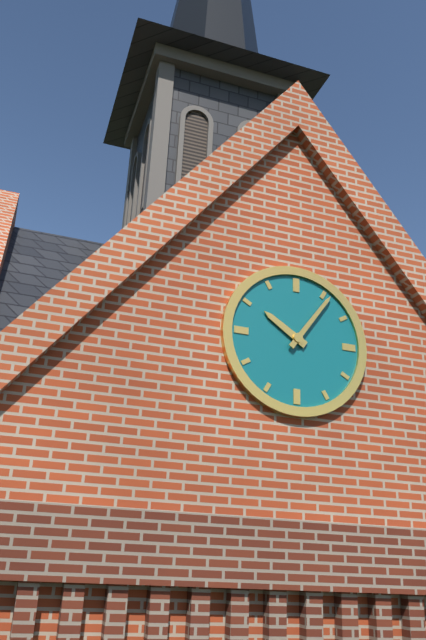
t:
10h06
